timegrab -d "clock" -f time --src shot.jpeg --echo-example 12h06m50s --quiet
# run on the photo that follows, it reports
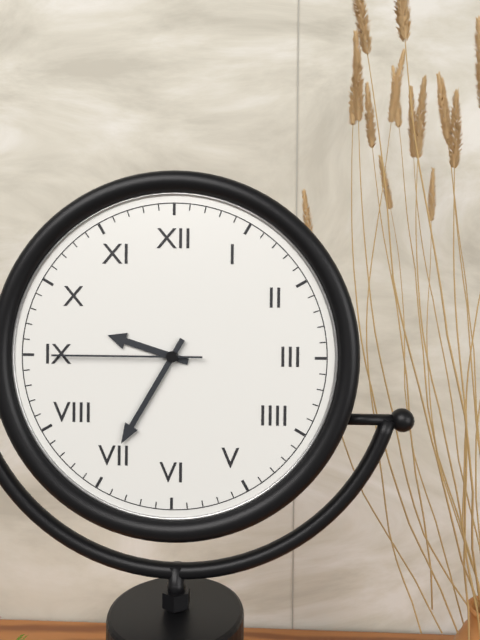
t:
9h35m45s
